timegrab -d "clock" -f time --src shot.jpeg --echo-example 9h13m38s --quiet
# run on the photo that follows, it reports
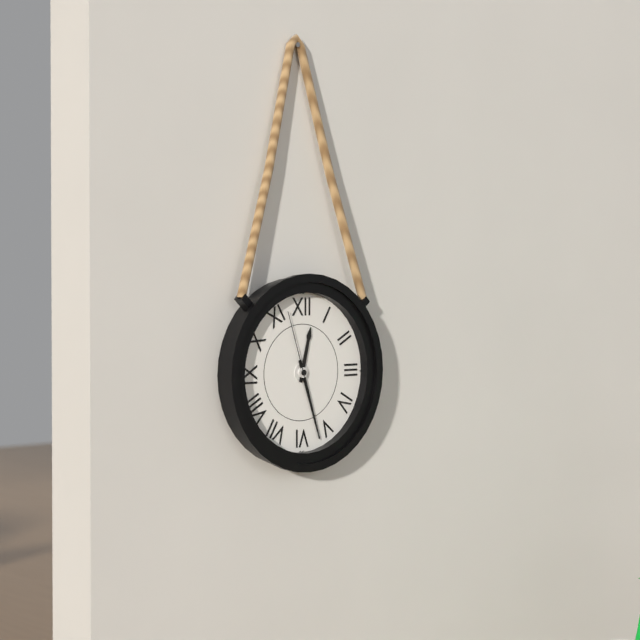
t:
12h27m57s
